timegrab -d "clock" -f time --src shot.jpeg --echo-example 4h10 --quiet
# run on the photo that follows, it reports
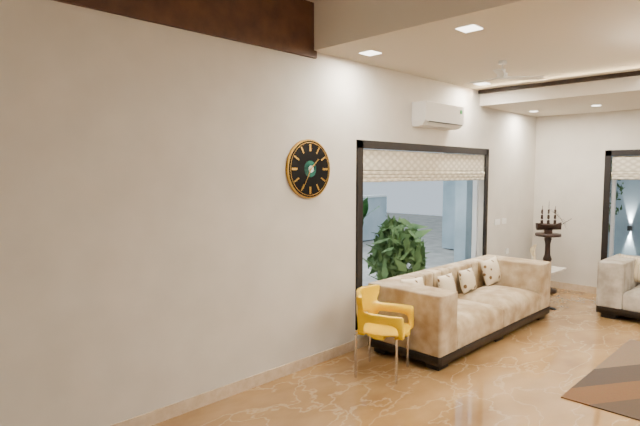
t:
1h35
